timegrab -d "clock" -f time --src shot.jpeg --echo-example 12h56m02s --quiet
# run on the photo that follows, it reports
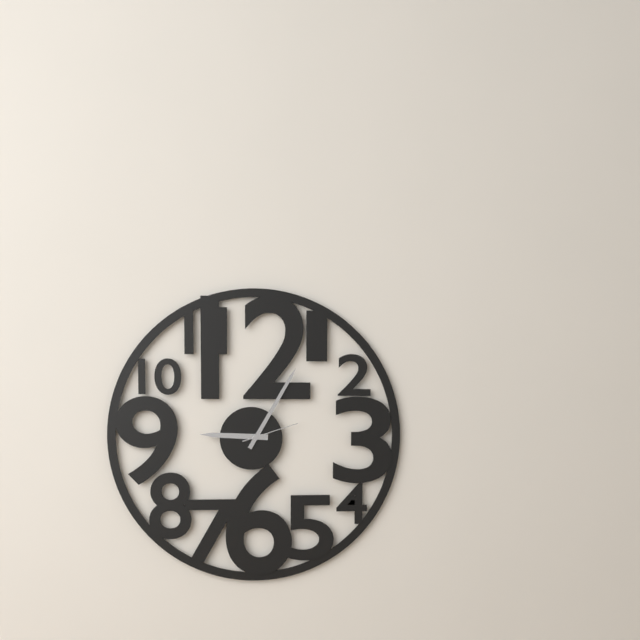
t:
9h05m12s
